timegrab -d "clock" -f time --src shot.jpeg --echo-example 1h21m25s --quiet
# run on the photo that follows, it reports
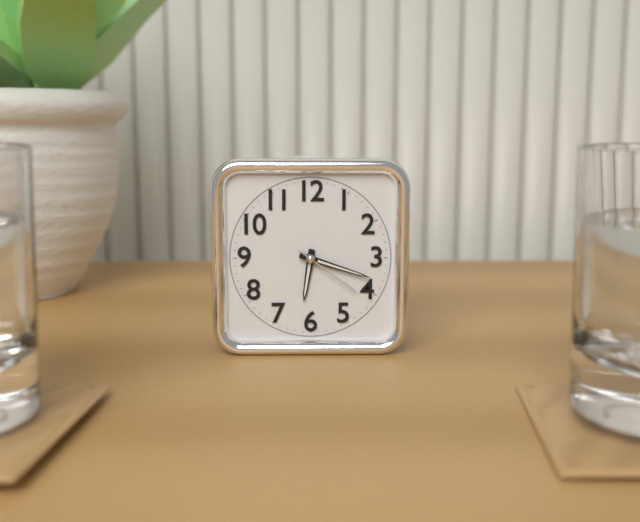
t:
6h18m21s
